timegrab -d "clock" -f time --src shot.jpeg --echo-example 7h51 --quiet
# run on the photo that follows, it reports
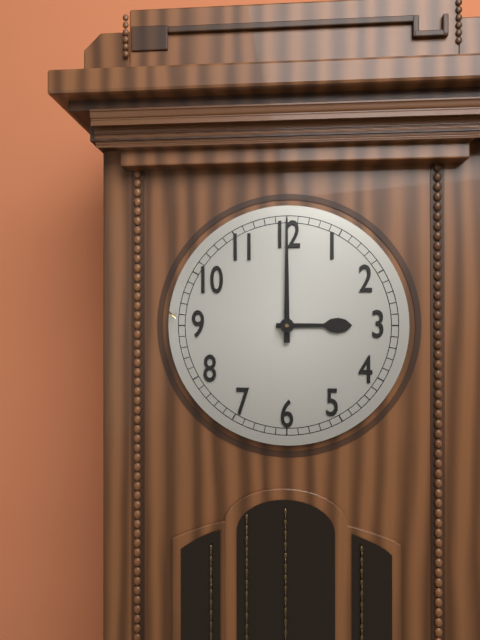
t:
3h00
